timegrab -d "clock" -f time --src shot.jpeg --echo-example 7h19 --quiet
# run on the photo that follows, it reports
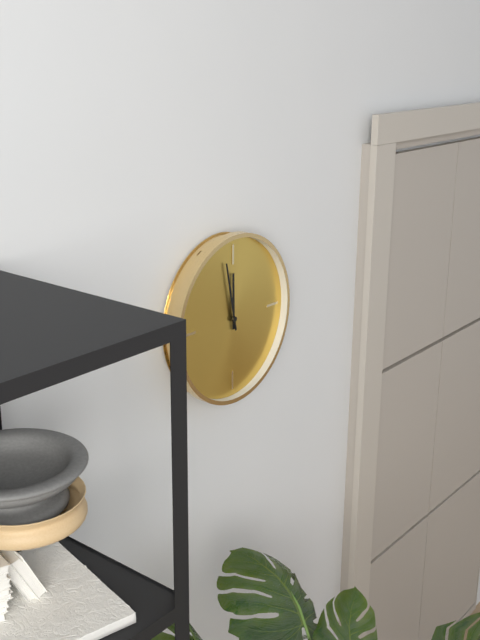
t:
11h58
